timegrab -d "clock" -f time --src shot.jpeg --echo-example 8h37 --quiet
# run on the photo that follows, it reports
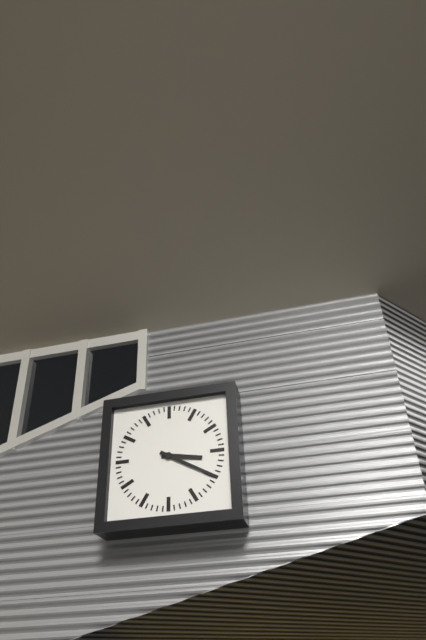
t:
3h20
